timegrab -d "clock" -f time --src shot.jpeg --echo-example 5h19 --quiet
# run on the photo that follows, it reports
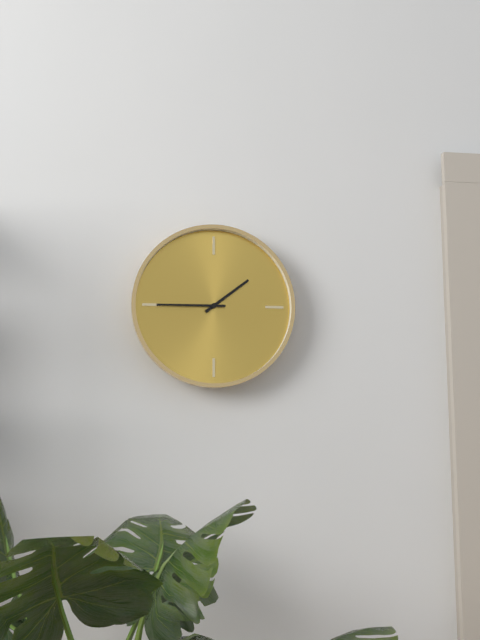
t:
1h45
